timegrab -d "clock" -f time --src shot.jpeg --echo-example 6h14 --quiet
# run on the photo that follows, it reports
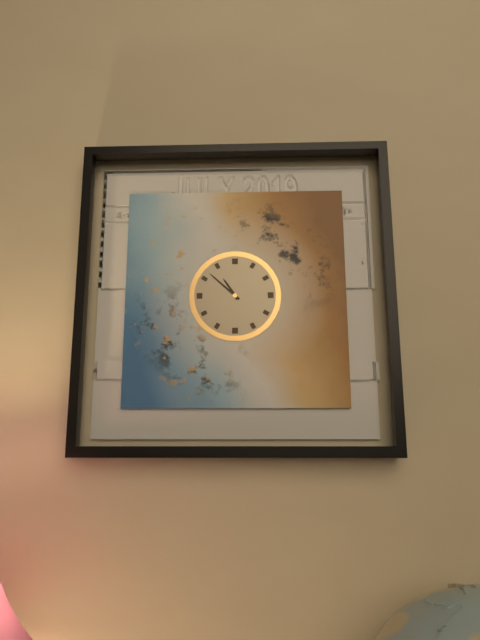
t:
10h52
